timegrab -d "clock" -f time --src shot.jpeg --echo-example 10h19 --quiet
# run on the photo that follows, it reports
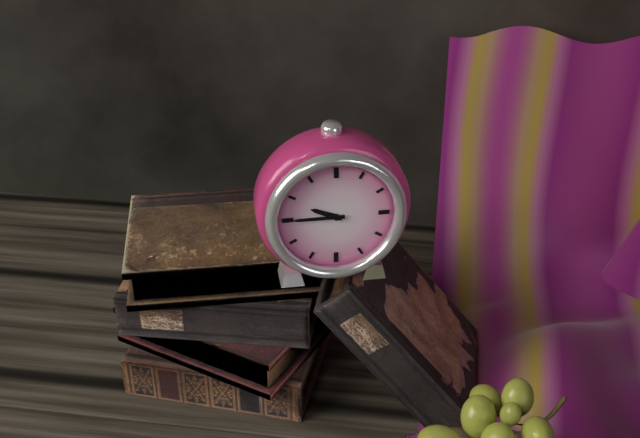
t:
9h45
